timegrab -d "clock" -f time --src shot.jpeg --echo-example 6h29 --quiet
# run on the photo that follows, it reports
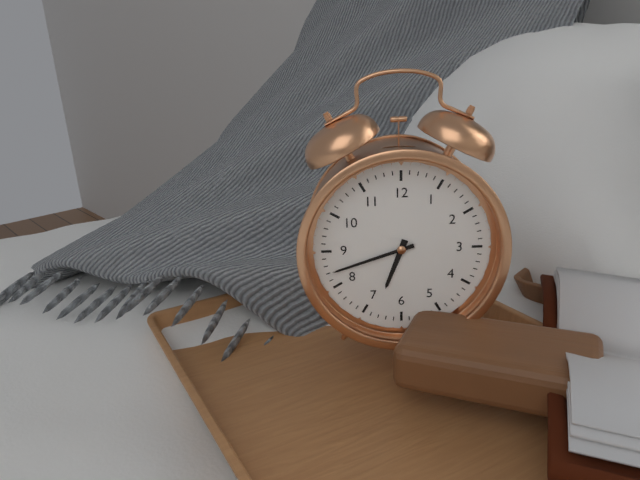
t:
6h42
